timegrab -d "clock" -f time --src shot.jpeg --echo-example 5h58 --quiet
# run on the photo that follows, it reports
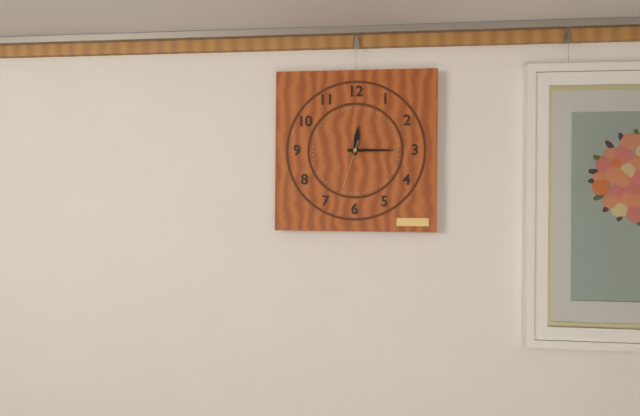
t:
12h15
